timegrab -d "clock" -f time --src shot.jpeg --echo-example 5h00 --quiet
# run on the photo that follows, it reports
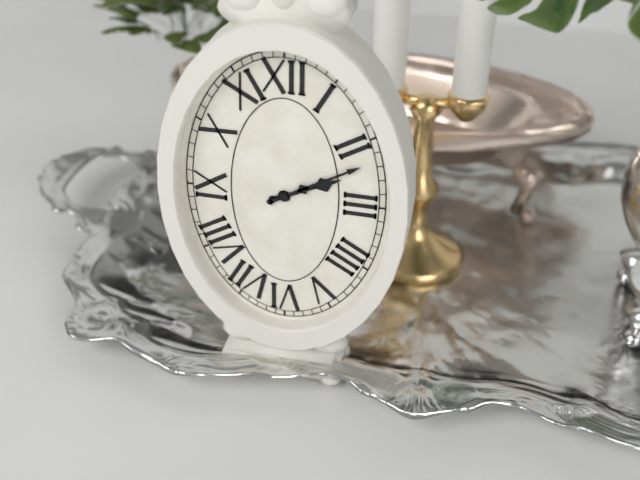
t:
2h10
